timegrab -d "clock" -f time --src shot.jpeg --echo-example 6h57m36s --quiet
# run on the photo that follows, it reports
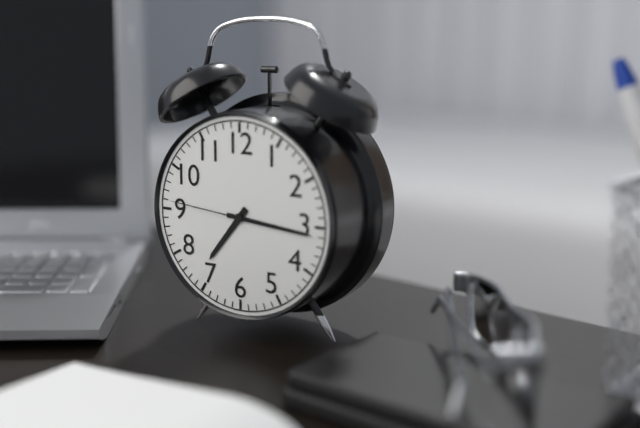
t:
7h16m46s
